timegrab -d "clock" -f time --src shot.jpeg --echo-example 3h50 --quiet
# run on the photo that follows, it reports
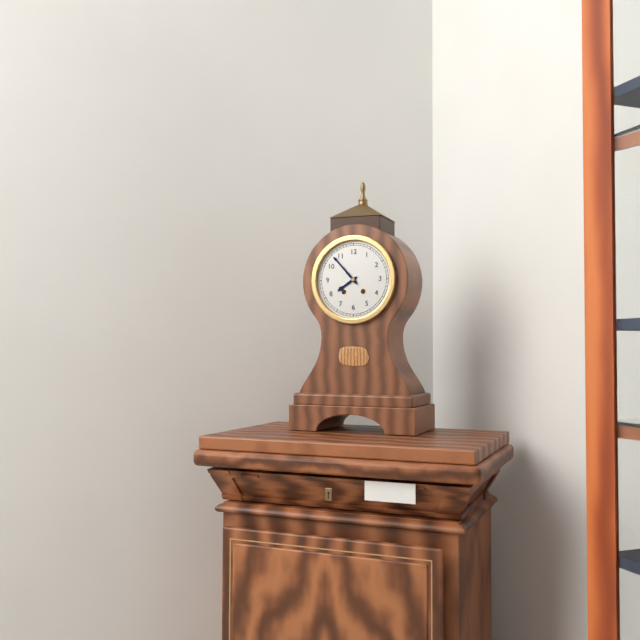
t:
7h53
